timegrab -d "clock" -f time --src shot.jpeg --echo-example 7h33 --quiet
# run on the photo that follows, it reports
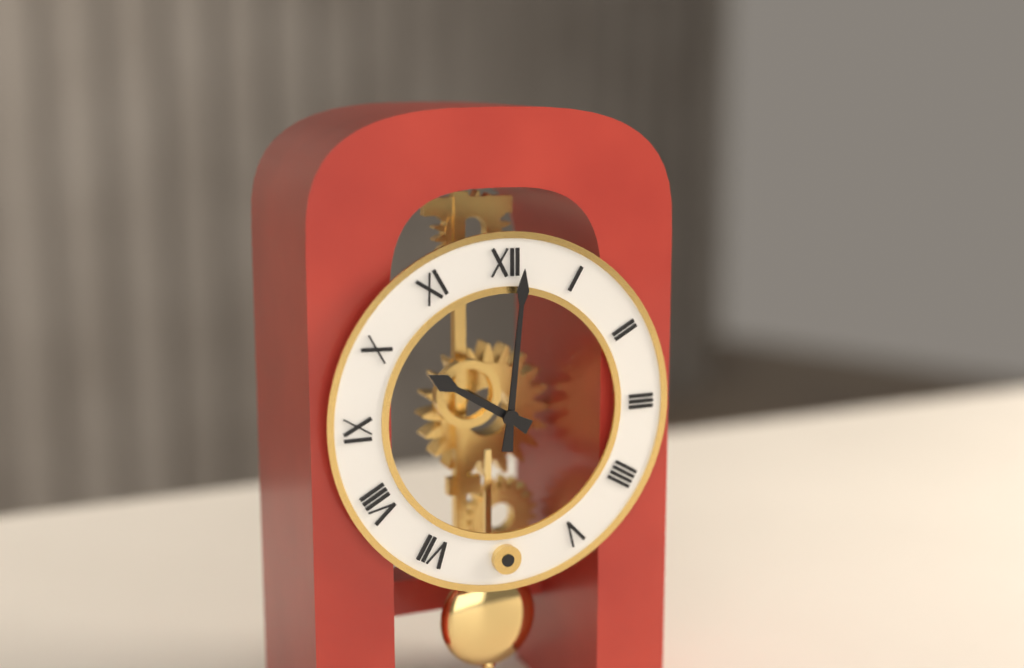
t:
10h01
